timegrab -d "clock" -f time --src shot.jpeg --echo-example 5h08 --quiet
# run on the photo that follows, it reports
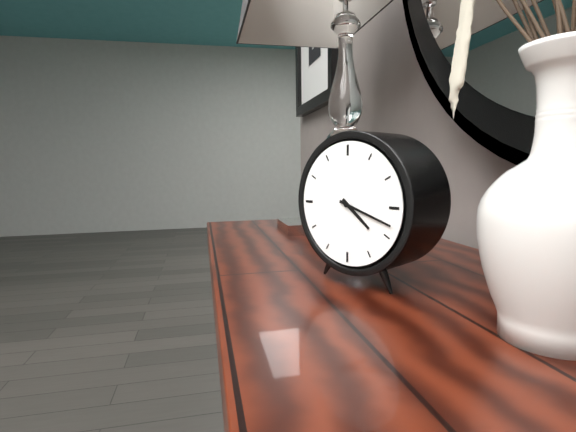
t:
4h18
